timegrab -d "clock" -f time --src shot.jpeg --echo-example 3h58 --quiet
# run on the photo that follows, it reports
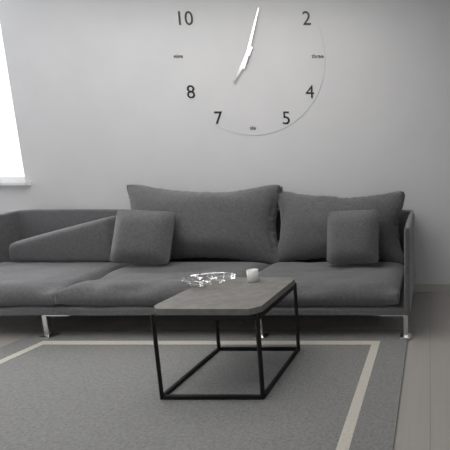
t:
7h03
